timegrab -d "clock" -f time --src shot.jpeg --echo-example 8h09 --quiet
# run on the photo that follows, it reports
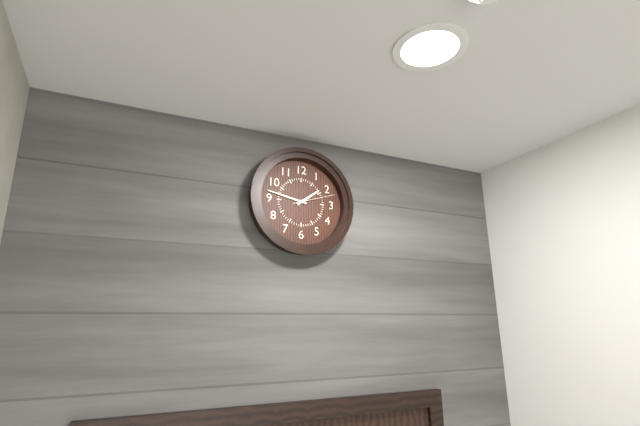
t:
1h47
